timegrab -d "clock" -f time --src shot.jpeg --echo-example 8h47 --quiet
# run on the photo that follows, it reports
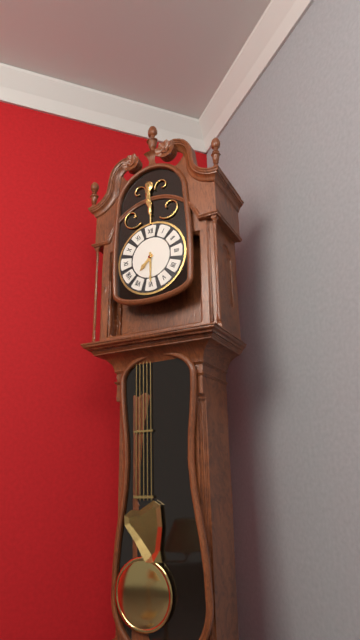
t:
7h30
